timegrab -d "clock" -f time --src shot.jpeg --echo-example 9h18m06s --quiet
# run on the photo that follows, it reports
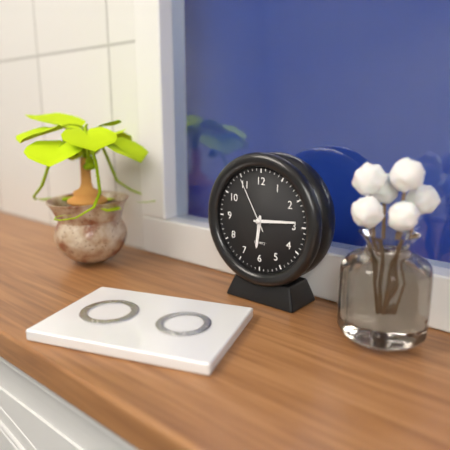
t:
6h14m55s
